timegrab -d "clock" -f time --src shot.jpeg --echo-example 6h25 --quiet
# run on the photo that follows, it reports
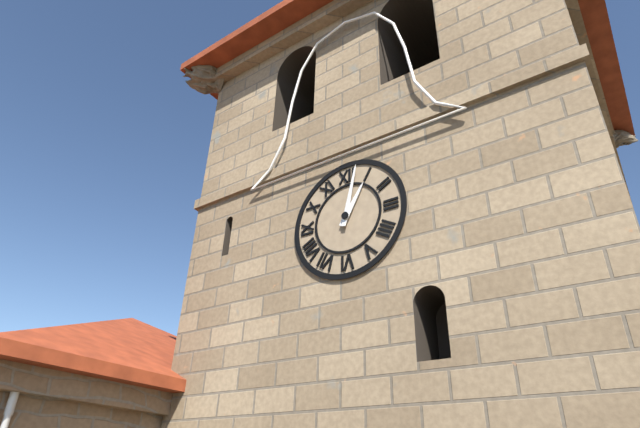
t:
1h02
